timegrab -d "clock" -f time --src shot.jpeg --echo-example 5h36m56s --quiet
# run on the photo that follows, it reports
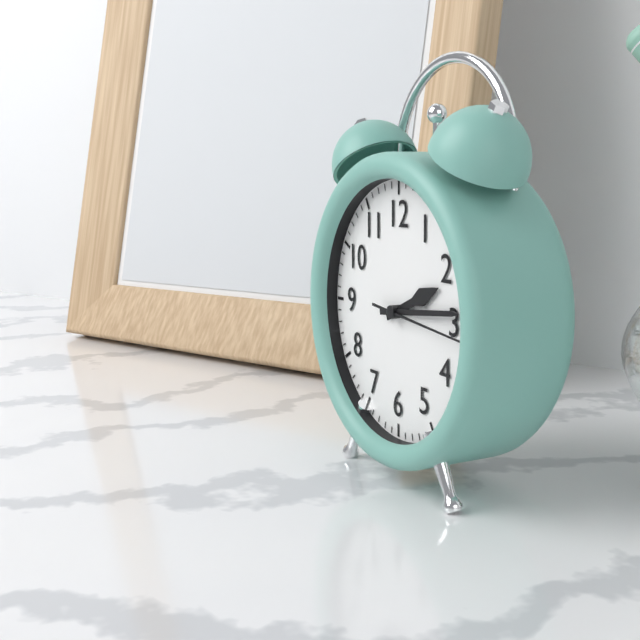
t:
2h14m16s
